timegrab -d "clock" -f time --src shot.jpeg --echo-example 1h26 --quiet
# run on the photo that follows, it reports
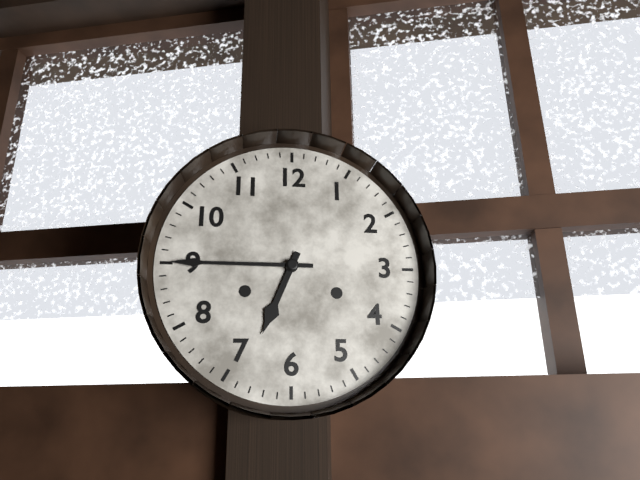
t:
6h45
